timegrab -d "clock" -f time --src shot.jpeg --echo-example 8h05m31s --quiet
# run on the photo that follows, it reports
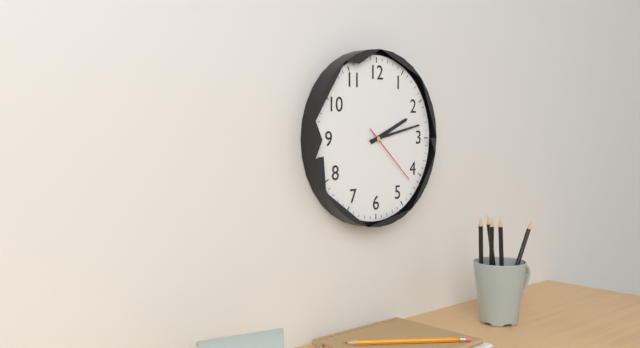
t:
2h13m22s
